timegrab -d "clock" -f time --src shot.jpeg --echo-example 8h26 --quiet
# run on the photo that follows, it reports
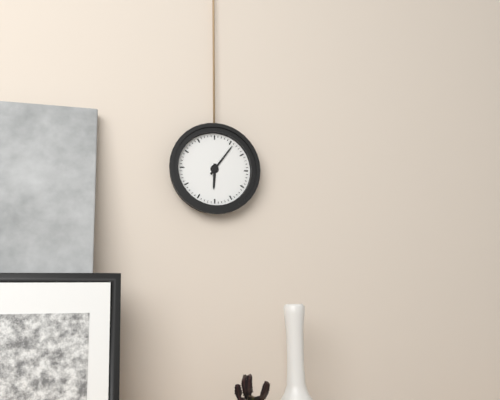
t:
6h06
